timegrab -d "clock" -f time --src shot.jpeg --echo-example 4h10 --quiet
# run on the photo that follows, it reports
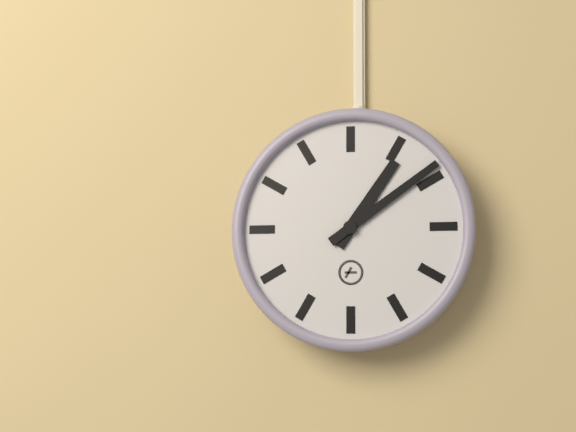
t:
1h09
